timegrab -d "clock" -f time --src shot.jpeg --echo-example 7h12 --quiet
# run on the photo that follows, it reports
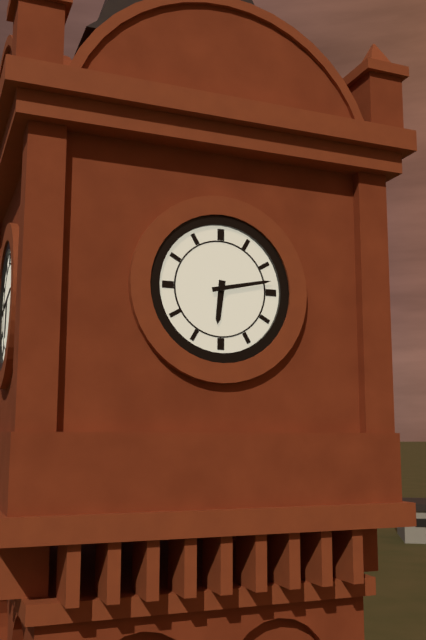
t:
6h13
